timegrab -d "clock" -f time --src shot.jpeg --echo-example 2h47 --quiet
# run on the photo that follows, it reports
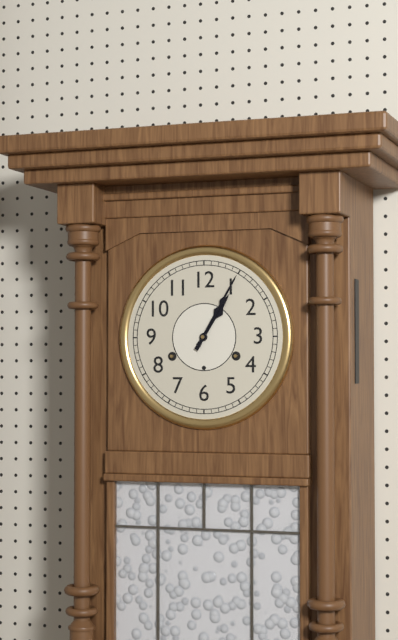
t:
1h05
